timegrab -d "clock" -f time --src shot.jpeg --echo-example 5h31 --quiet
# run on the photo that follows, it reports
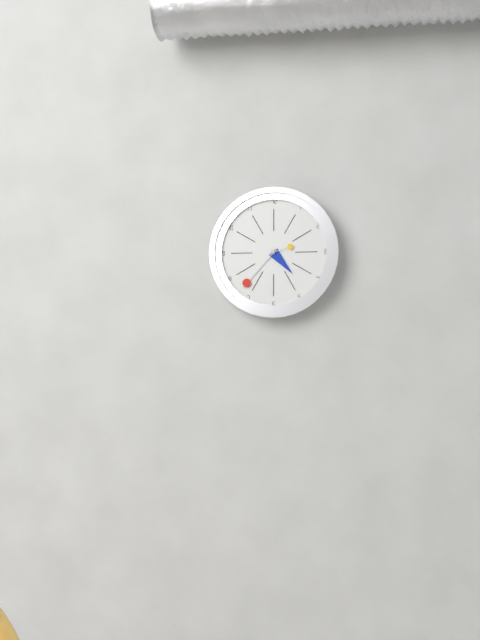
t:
4h37
